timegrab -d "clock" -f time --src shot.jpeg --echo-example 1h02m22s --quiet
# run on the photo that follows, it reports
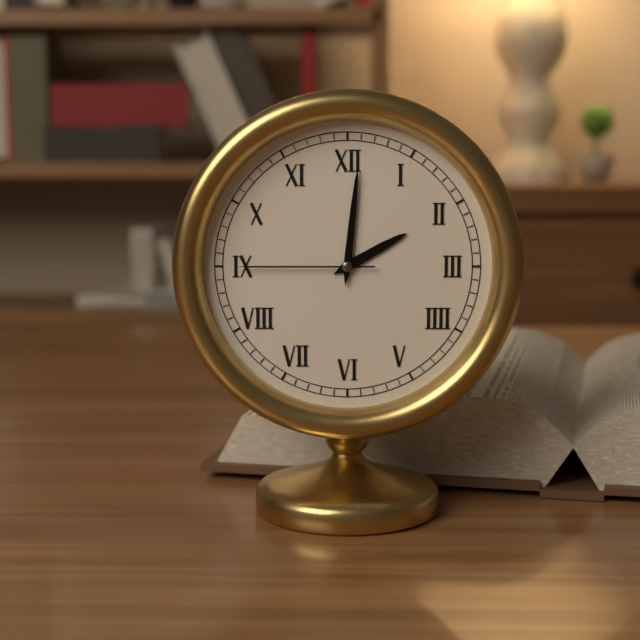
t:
2h01m45s
